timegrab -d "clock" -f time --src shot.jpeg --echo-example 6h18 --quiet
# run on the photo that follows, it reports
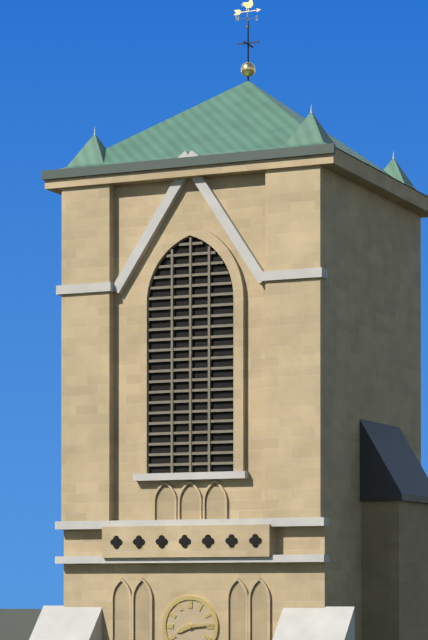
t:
8h14
